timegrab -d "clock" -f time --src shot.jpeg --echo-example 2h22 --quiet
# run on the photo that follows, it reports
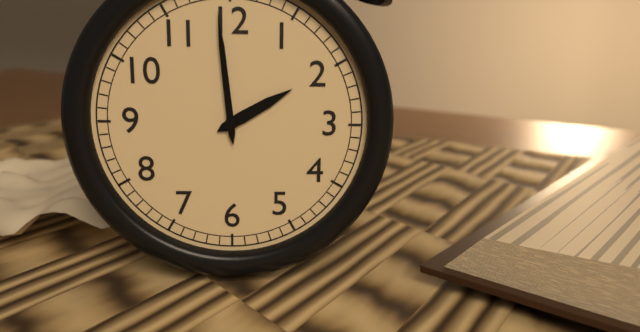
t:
1h59
